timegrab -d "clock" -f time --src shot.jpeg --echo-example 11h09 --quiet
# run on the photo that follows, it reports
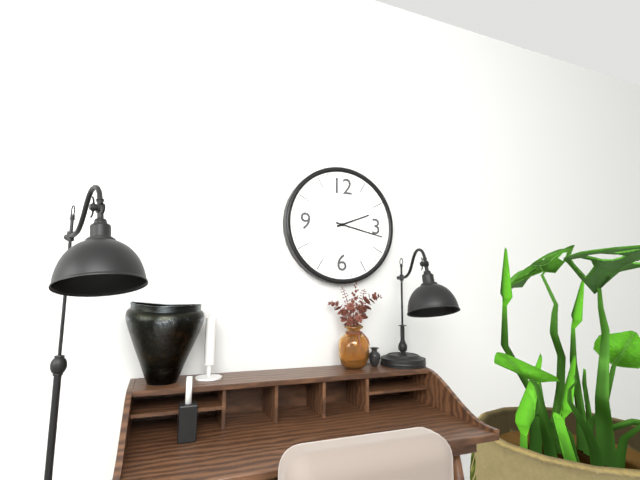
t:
2h17
